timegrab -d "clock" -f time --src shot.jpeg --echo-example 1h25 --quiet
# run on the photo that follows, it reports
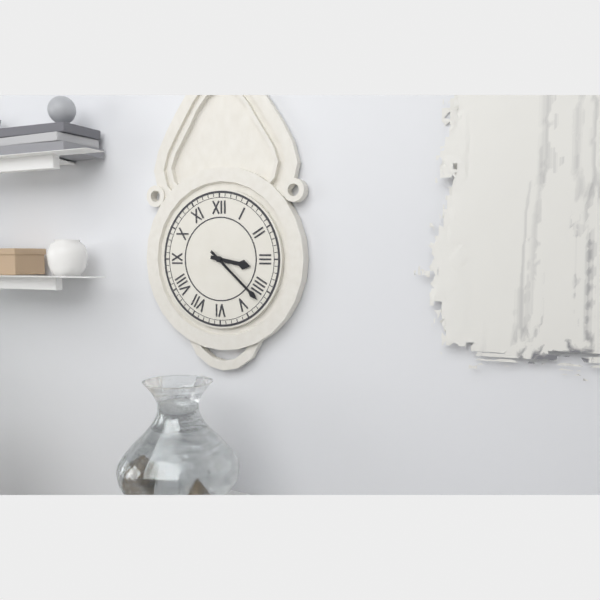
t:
3h22
